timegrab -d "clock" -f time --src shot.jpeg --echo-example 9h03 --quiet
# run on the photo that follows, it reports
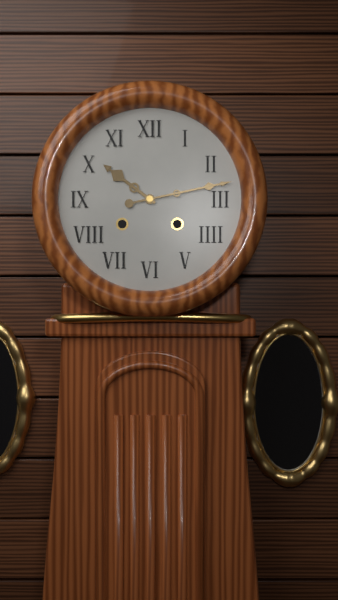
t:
10h13
